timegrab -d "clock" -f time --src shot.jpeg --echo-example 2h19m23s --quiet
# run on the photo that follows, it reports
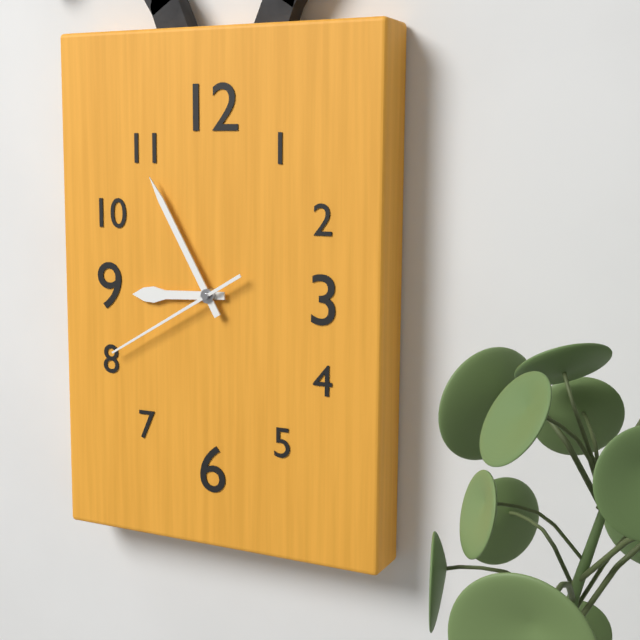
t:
8h55m40s
